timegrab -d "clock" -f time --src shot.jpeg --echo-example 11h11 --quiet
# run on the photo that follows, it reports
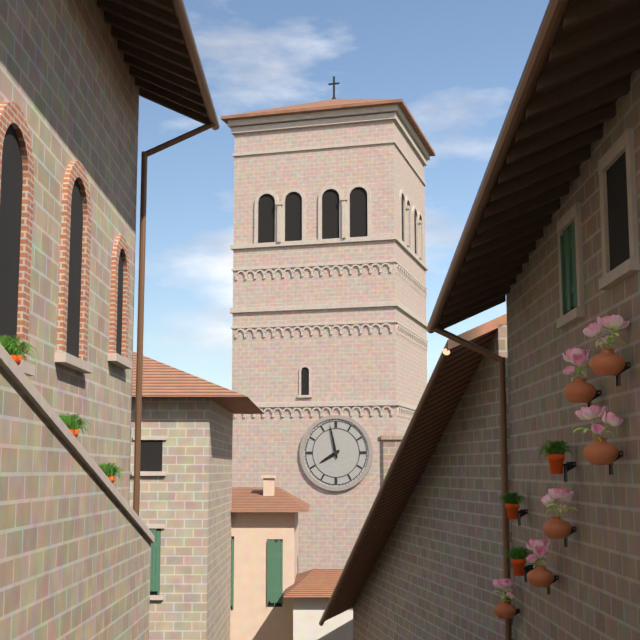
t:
7h58
